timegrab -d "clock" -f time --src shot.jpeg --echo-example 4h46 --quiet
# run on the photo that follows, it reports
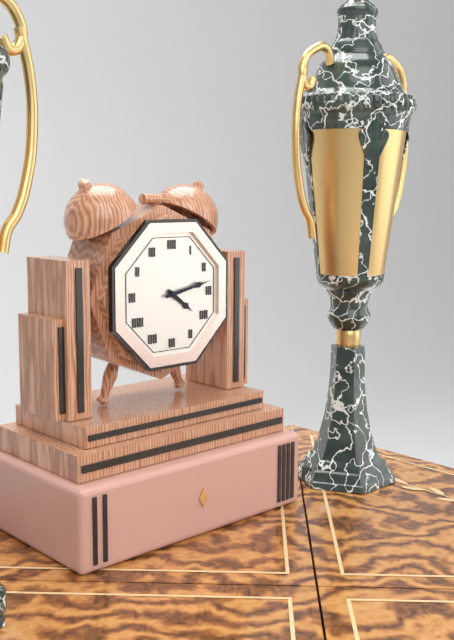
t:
4h13
